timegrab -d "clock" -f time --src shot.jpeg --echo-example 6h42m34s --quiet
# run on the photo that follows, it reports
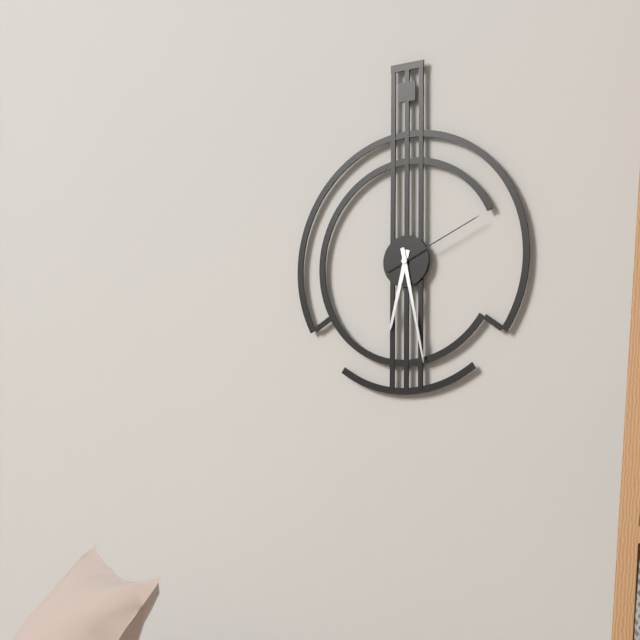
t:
6h28m11s
